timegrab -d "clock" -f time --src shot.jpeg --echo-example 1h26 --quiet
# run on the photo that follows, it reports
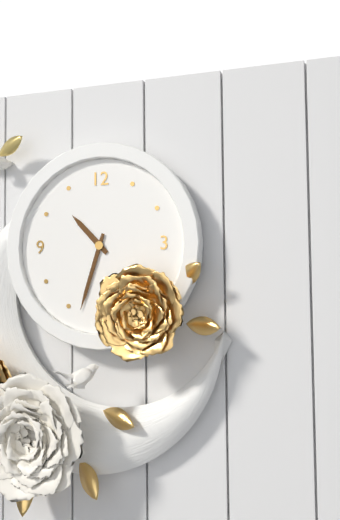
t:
10h33
